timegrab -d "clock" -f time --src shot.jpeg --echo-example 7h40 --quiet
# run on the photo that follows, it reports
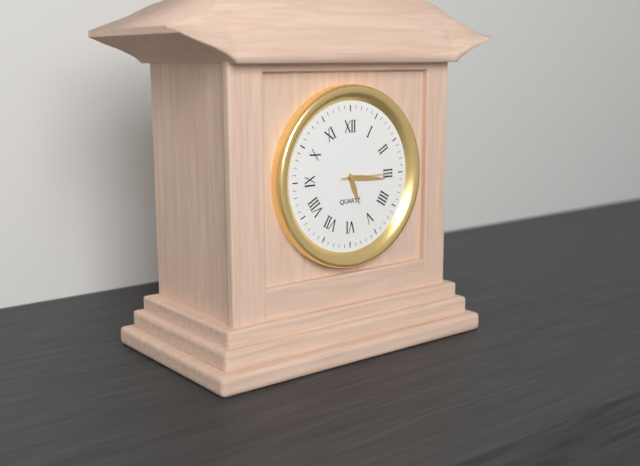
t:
5h16
